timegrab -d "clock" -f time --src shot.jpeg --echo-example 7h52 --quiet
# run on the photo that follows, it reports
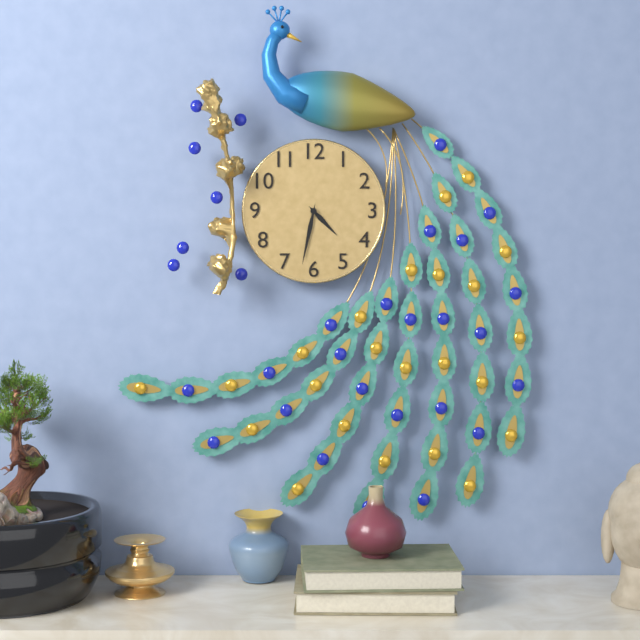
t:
4h32
